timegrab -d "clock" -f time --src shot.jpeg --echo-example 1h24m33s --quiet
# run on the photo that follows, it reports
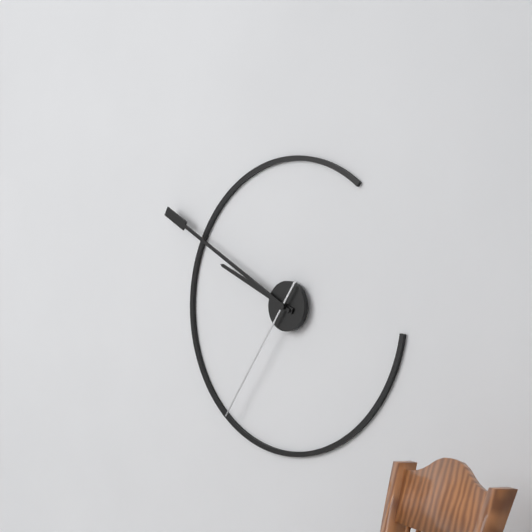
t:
9h50m36s
